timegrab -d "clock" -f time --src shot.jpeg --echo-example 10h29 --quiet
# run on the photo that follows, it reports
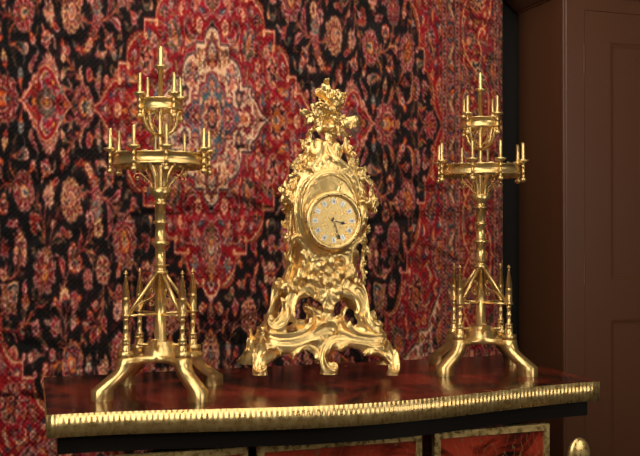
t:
3h27
